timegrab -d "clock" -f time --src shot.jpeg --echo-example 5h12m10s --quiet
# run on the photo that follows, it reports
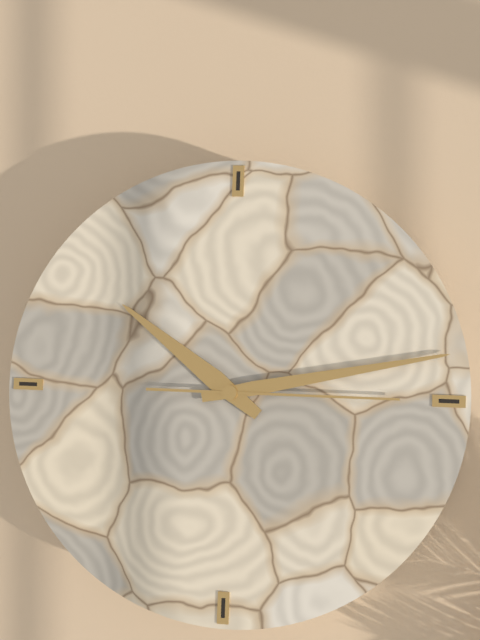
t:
10h13m15s
